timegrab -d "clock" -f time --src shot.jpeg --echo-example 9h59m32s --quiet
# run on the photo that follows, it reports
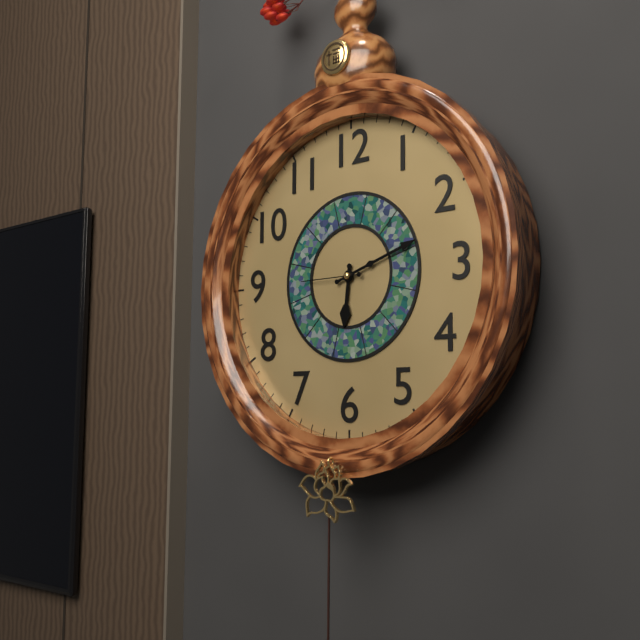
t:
6h12m45s
